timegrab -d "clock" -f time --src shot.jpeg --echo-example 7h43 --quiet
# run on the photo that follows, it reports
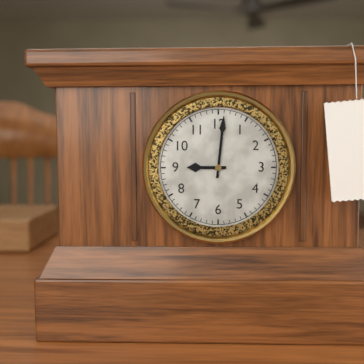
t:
9h01
